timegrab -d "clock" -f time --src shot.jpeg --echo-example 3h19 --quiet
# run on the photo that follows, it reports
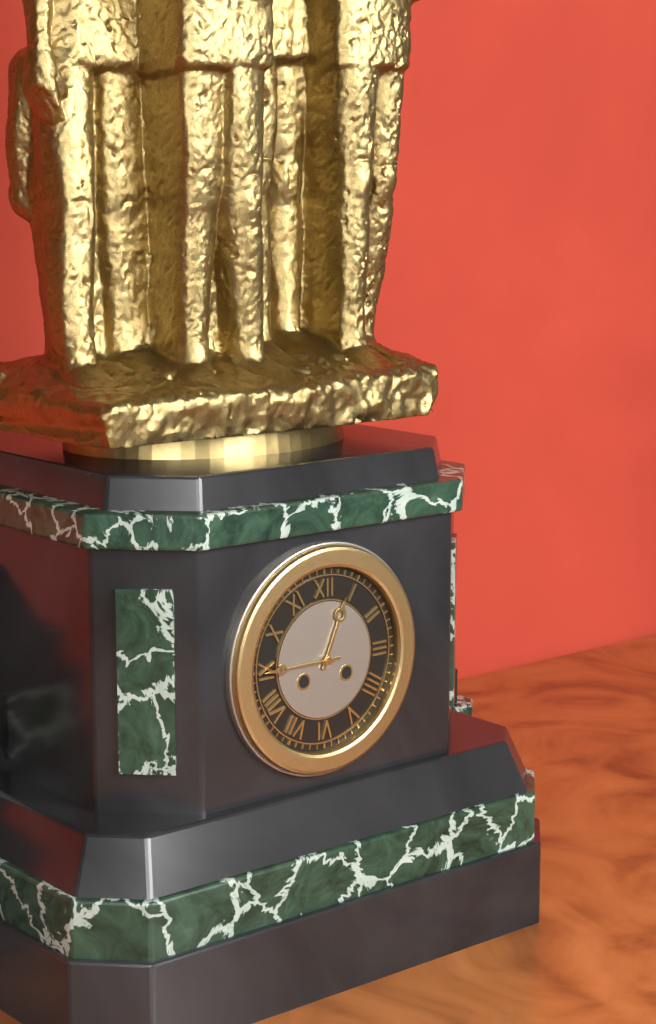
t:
12h45
